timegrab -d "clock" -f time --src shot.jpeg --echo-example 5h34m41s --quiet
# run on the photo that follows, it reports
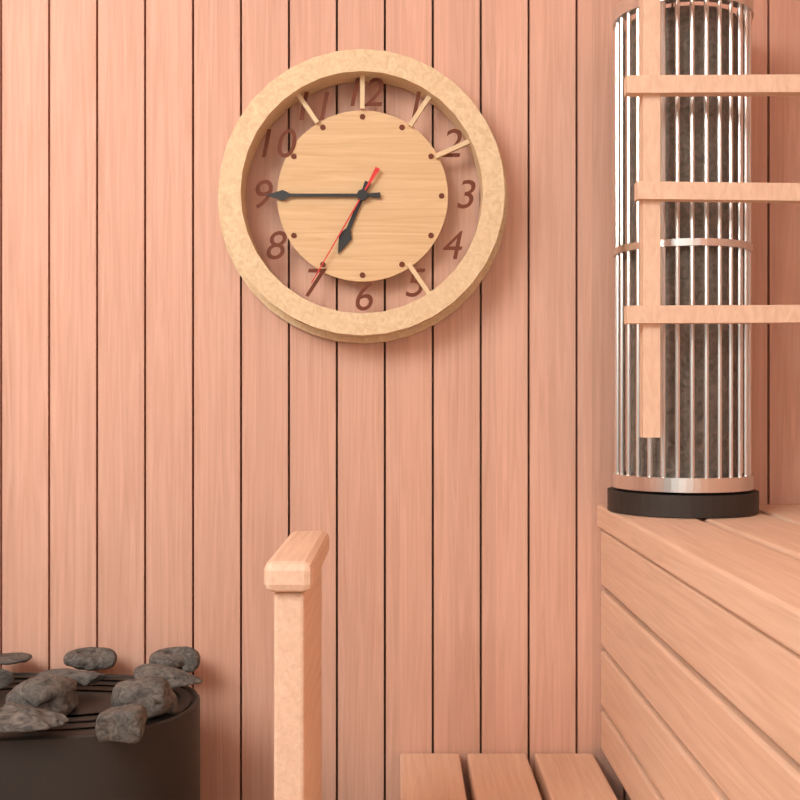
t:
6h45m35s
